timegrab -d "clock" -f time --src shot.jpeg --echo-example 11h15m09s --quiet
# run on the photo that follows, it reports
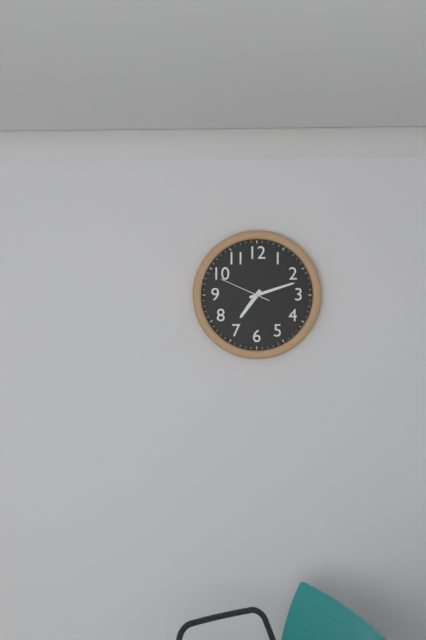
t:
7h12m49s
